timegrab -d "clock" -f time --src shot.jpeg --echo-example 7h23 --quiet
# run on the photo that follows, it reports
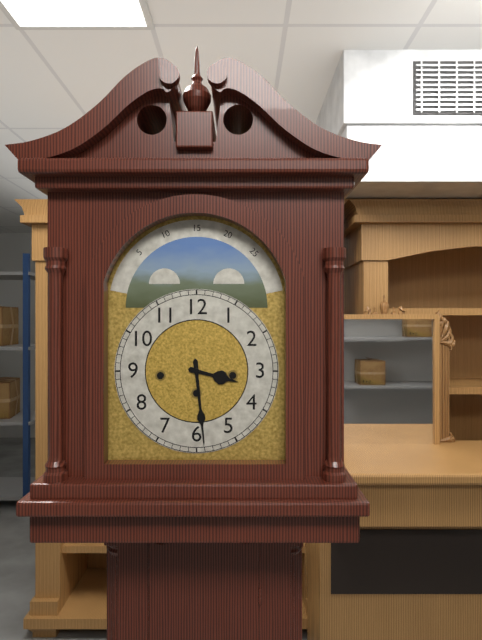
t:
3h29
